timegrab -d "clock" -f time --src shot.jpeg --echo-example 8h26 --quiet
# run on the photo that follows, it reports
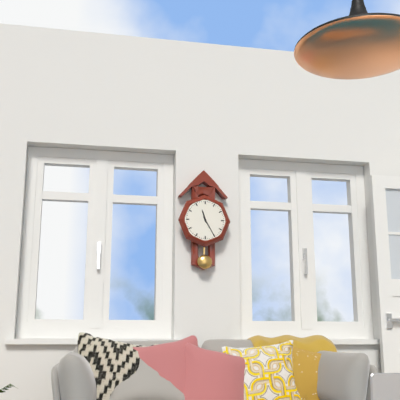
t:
11h25
